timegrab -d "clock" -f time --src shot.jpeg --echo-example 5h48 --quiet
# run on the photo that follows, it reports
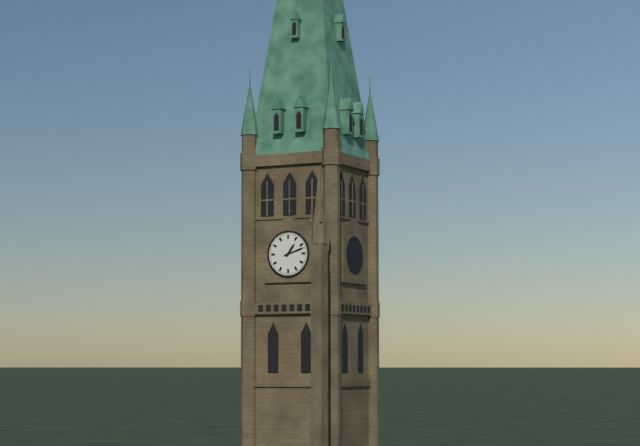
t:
1h12
